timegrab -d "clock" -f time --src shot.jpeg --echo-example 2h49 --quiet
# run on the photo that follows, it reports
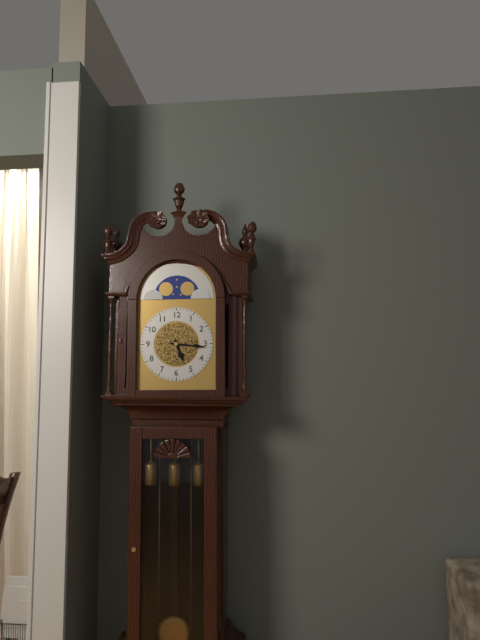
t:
5h16
